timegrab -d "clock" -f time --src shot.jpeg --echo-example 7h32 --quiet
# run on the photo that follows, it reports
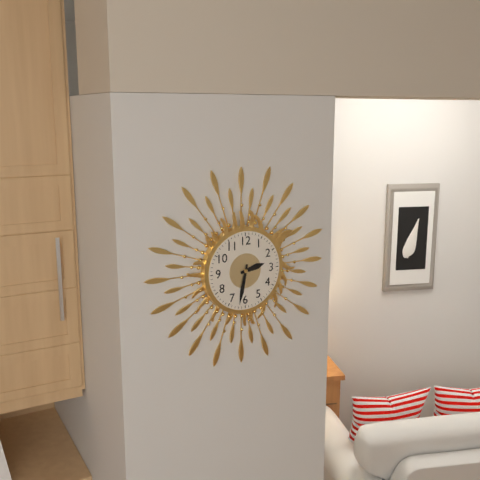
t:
2h32
